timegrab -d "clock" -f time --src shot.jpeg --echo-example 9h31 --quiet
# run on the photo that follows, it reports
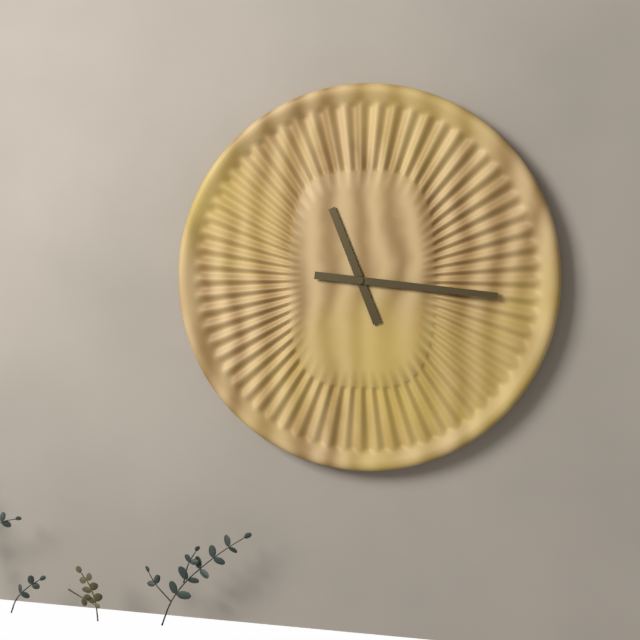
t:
11h16
